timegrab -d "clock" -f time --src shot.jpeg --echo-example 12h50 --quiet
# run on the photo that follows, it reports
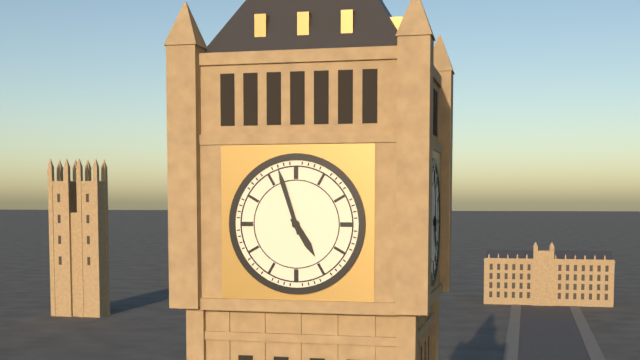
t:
4h57
